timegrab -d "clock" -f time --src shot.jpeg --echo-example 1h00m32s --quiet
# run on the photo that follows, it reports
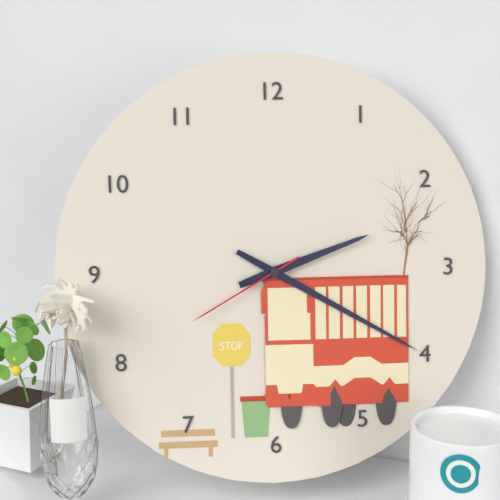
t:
2h20m40s
